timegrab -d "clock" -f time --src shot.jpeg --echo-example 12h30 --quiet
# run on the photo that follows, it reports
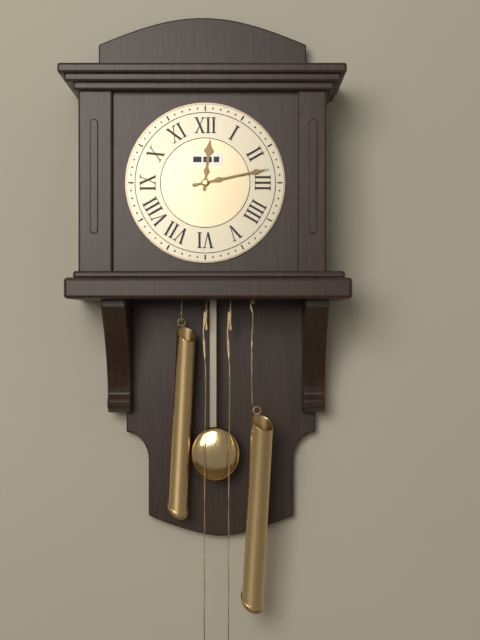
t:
12h13
